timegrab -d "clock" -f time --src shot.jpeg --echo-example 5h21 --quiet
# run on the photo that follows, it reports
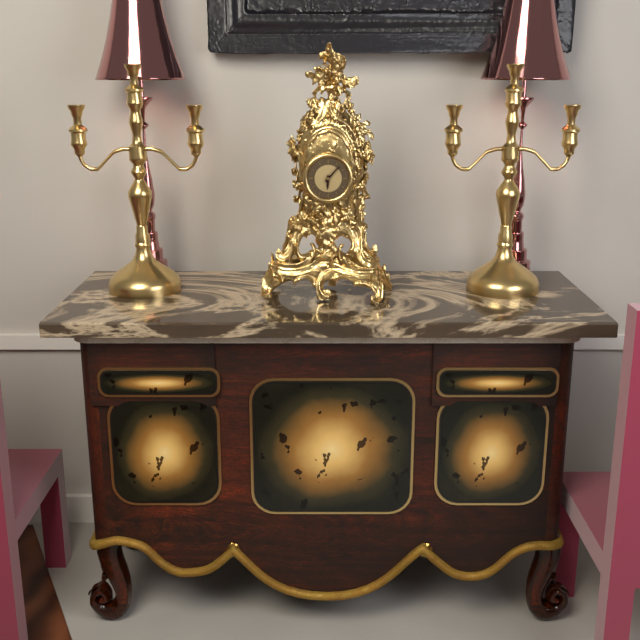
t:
6h07
